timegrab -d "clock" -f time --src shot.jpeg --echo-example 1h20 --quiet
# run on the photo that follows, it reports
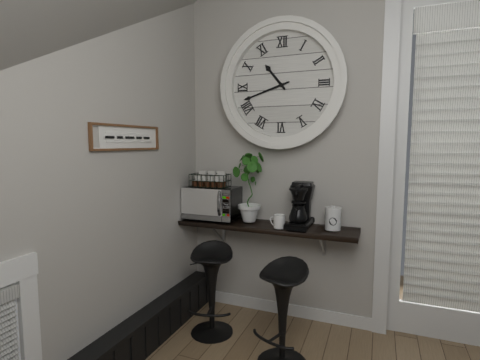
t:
10h42
